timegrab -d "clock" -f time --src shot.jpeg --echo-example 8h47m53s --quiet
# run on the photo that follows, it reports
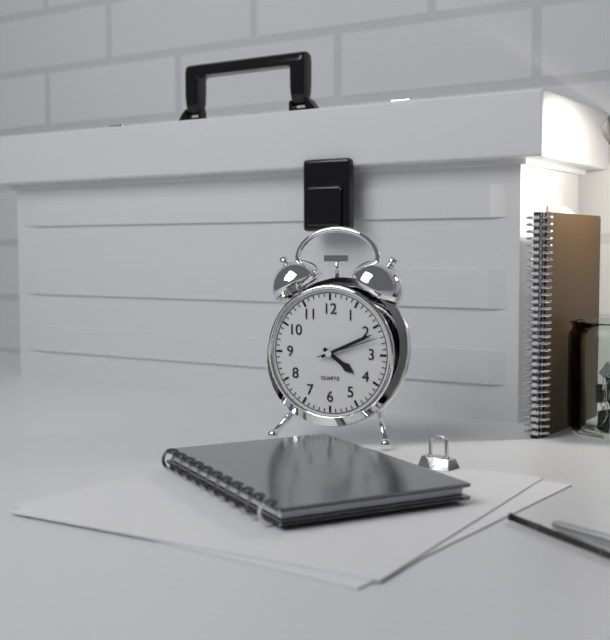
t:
4h11m12s
